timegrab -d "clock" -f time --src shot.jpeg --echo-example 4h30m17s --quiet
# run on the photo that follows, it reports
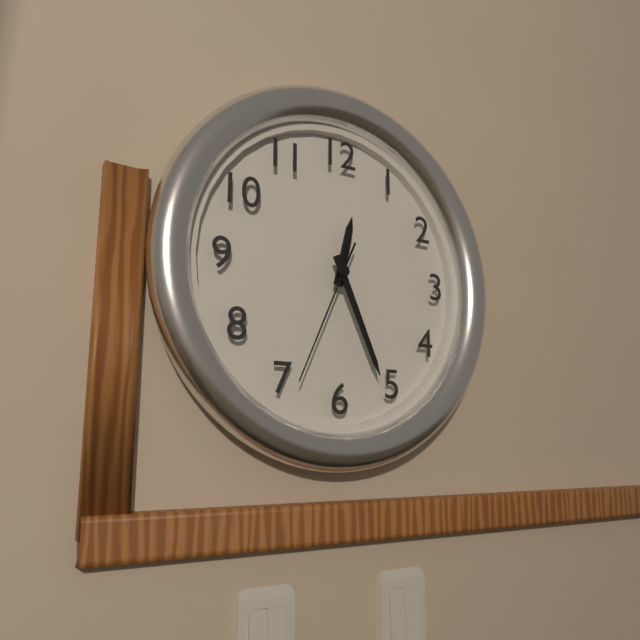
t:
12h26m34s
